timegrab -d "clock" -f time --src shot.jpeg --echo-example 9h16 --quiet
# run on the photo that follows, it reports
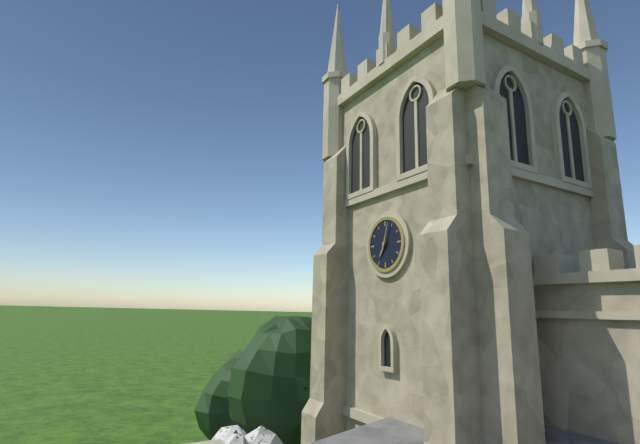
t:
7h03
